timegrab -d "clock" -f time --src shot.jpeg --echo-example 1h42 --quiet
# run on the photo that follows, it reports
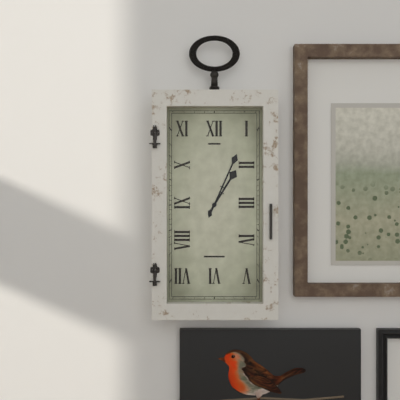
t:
1h04
